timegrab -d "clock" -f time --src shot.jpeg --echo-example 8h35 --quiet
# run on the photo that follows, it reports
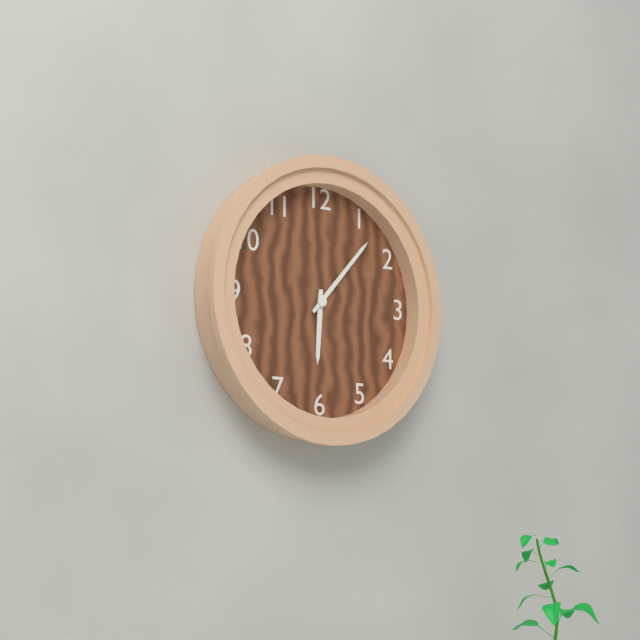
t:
6h07
